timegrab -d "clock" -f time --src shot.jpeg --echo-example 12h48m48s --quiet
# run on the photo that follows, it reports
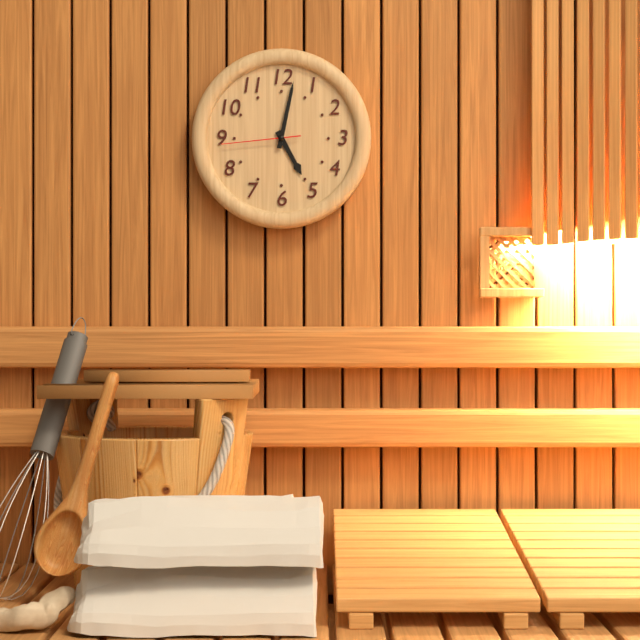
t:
5h02m44s
